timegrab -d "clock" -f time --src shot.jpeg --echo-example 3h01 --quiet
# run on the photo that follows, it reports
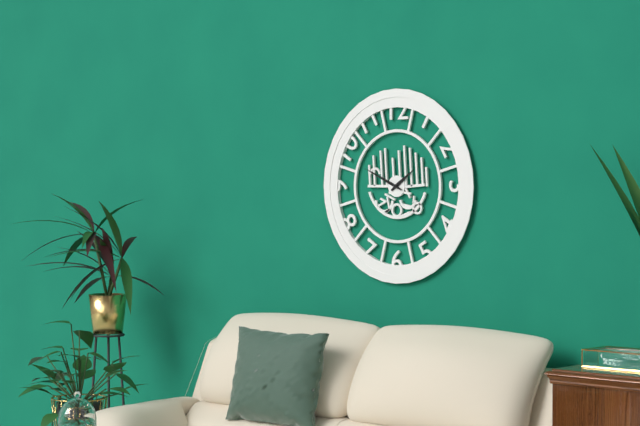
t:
1h49
